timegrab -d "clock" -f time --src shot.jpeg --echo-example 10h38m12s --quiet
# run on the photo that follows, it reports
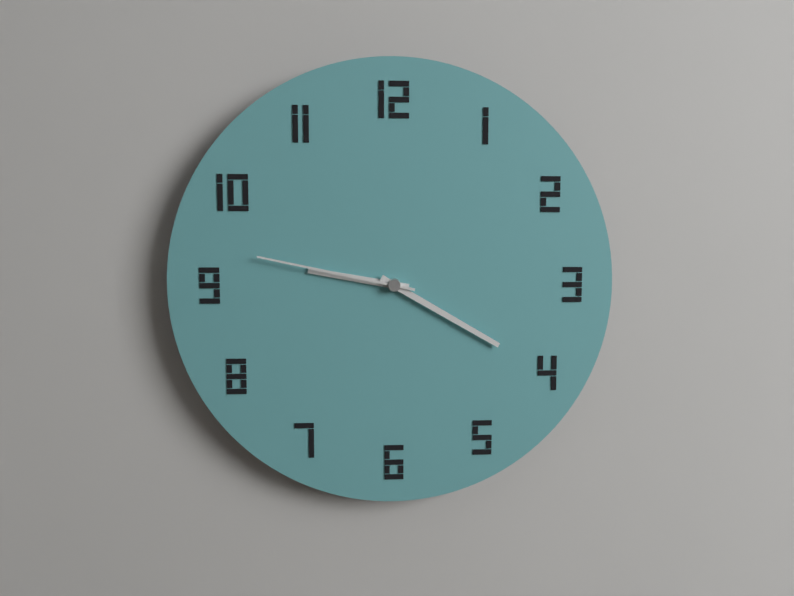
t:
9h20m47s
